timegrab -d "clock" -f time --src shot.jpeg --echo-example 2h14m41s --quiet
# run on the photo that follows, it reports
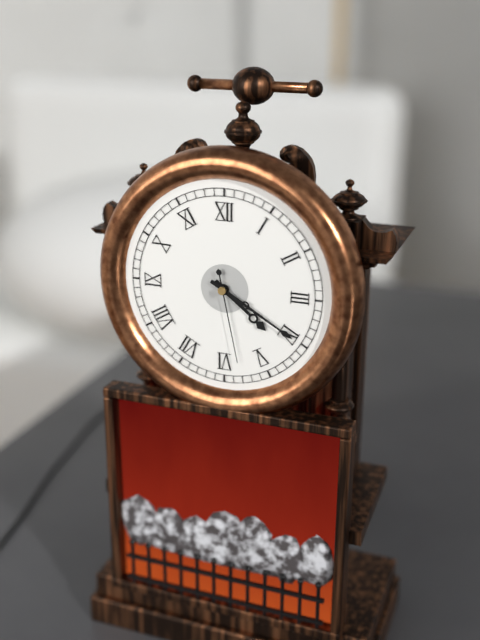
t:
4h20m28s
